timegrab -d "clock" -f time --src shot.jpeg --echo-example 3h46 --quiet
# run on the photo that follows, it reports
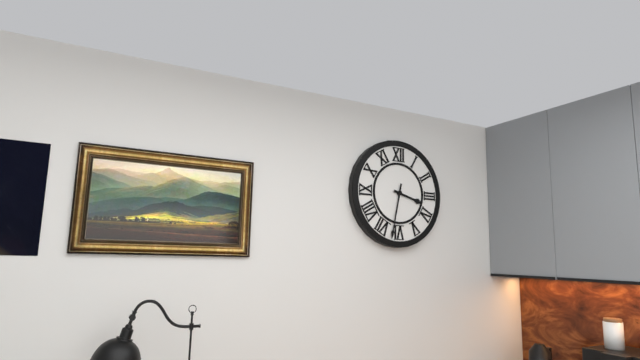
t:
3h32
